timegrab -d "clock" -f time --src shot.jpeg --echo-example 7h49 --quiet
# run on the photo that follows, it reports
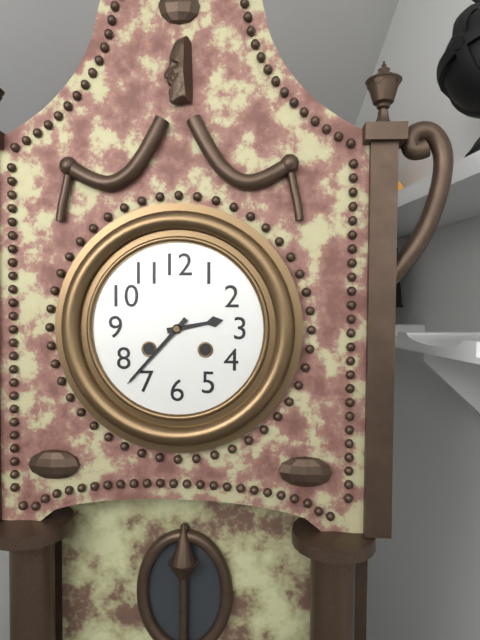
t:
2h37
